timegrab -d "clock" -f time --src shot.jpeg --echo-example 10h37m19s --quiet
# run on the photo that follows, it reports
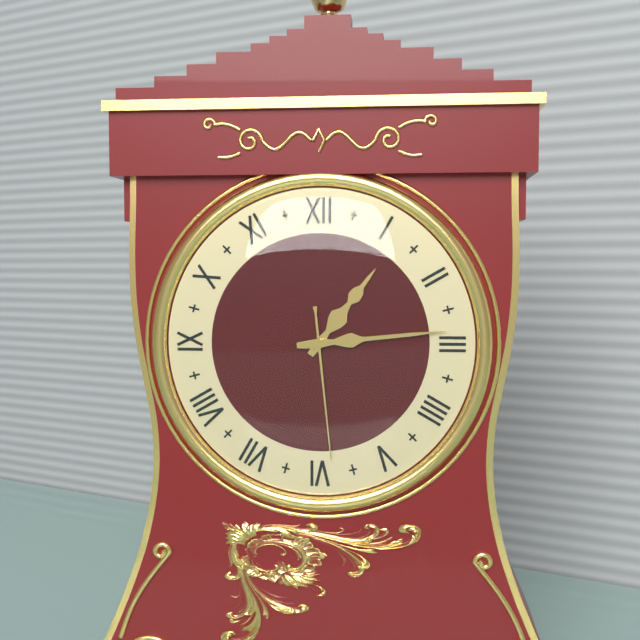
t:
1h14m29s
